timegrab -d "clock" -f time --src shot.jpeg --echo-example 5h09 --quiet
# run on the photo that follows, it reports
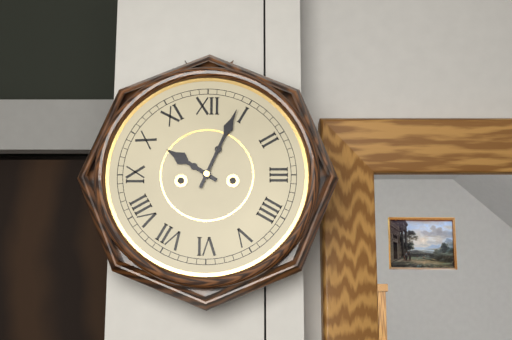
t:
10h04
